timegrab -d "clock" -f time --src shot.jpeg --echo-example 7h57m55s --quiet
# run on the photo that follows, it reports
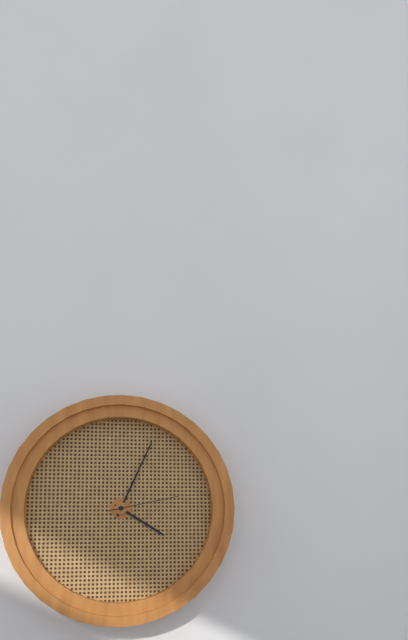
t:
4h04m13s
